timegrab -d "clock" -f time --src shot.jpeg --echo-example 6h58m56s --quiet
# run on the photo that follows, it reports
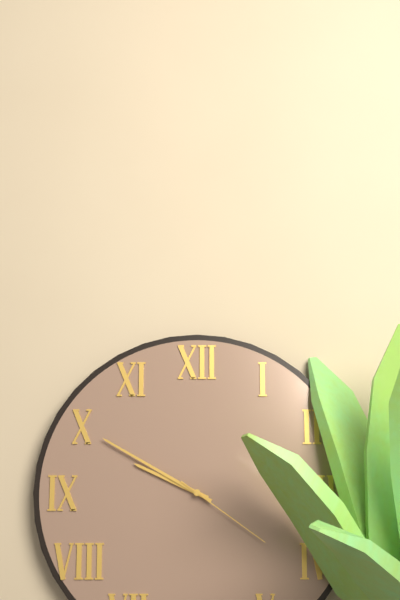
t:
9h50m21s
